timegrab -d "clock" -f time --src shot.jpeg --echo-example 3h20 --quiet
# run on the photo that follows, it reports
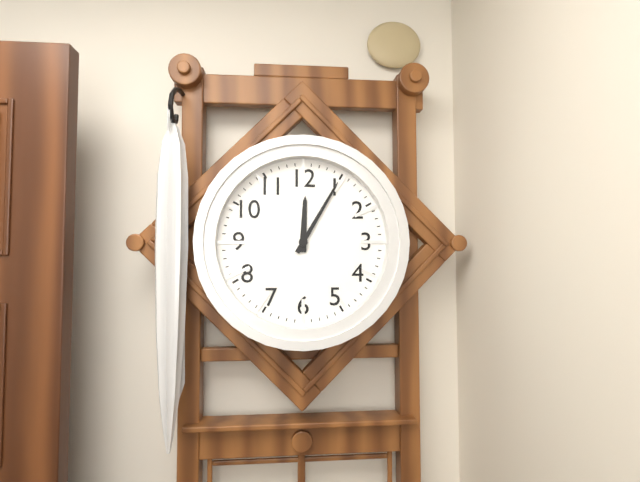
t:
12h05
